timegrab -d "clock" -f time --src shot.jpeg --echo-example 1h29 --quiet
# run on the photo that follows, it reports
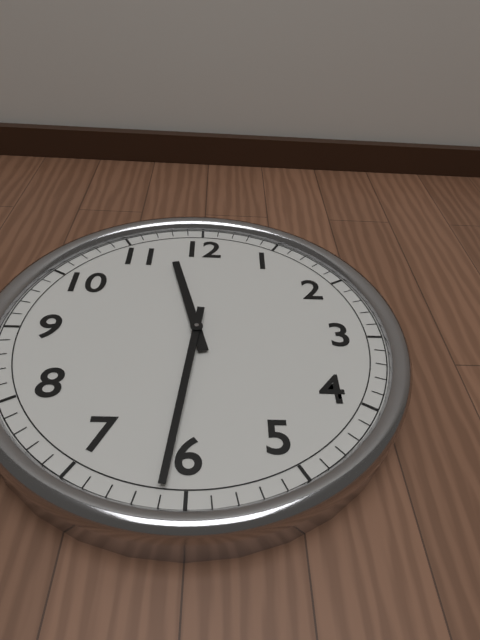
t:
11h31
